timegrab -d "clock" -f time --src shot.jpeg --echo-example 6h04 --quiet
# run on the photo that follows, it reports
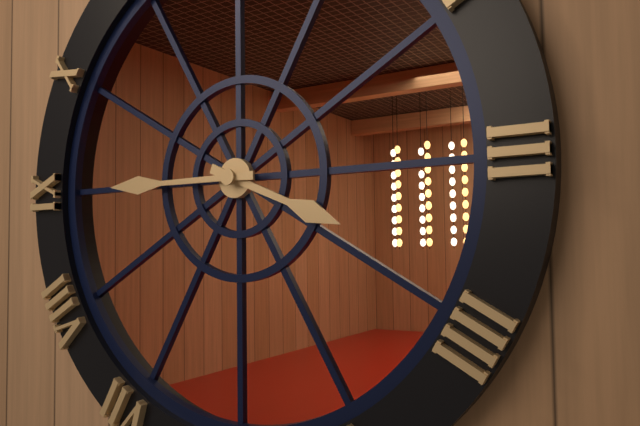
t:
3h45
